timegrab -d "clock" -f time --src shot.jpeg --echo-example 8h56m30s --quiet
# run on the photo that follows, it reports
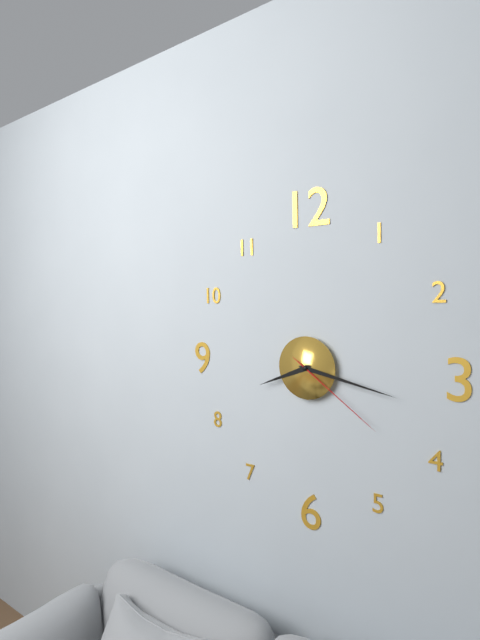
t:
8h17m21s
